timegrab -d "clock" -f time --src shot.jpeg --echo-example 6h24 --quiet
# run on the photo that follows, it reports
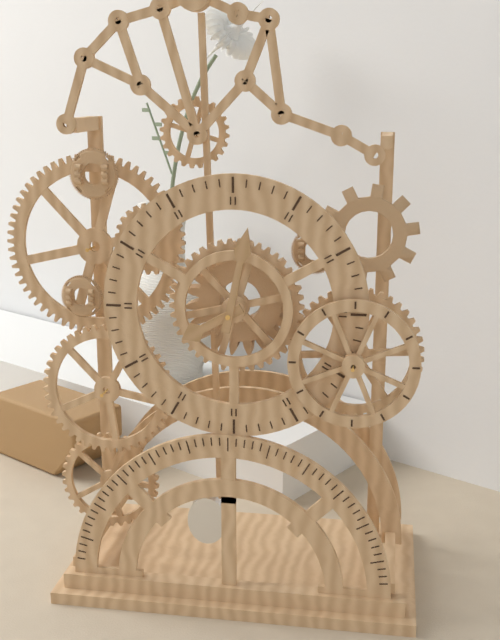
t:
8h02
